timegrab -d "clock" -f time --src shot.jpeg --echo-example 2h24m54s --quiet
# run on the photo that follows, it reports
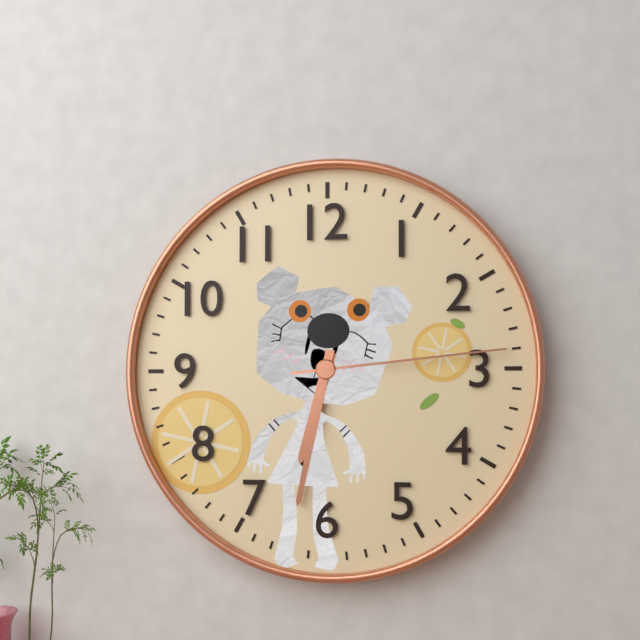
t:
6h32m14s
